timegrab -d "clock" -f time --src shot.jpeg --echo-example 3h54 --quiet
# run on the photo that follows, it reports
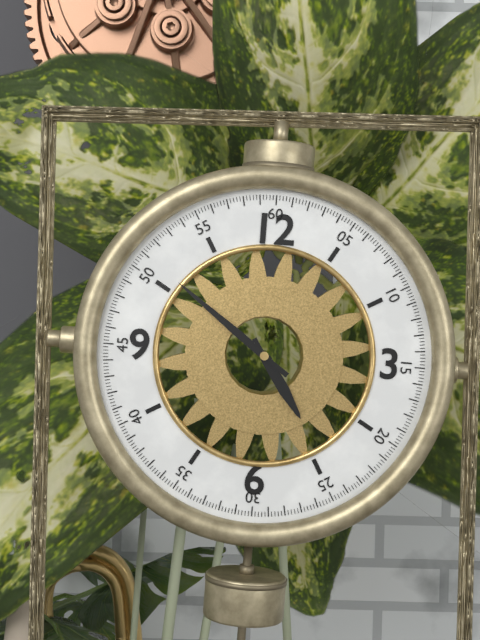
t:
4h51
